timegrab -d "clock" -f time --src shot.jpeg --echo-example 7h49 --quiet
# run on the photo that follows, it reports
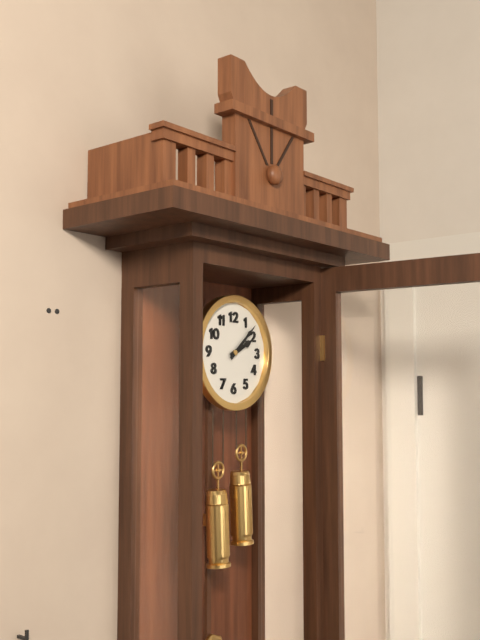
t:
2h08
